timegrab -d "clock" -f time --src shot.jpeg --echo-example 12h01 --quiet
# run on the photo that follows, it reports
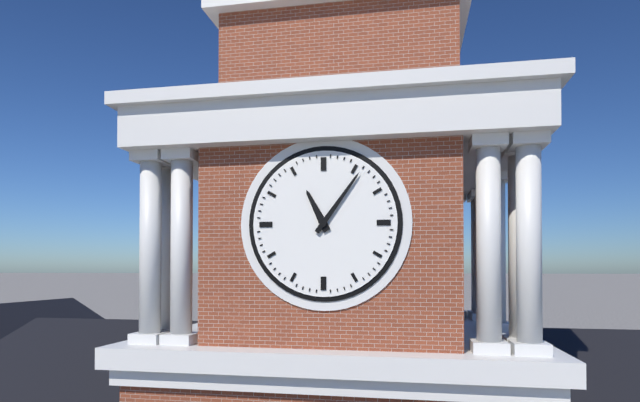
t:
11h06
